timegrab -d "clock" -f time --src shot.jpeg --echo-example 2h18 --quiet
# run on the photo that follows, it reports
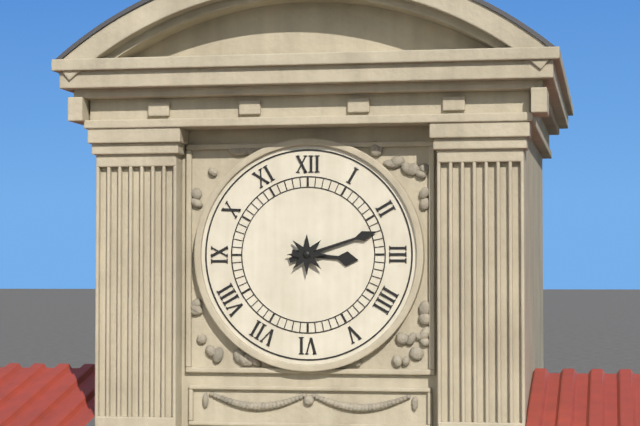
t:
3h12
